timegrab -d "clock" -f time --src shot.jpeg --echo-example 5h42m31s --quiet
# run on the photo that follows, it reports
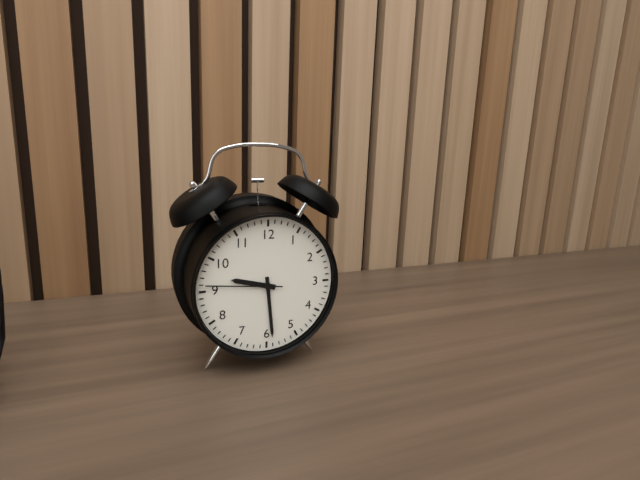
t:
9h29m46s
